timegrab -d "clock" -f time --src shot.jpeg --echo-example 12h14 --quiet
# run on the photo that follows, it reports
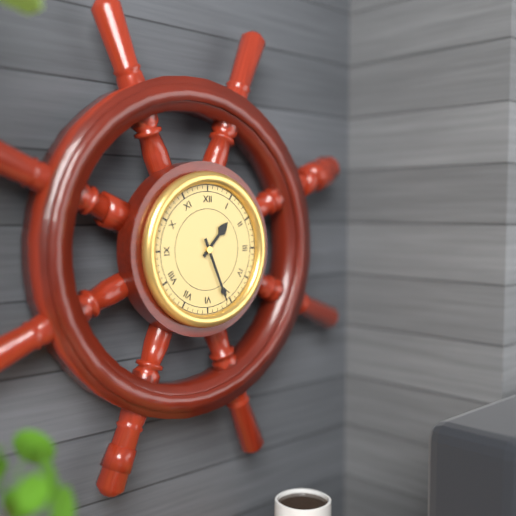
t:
1h26
